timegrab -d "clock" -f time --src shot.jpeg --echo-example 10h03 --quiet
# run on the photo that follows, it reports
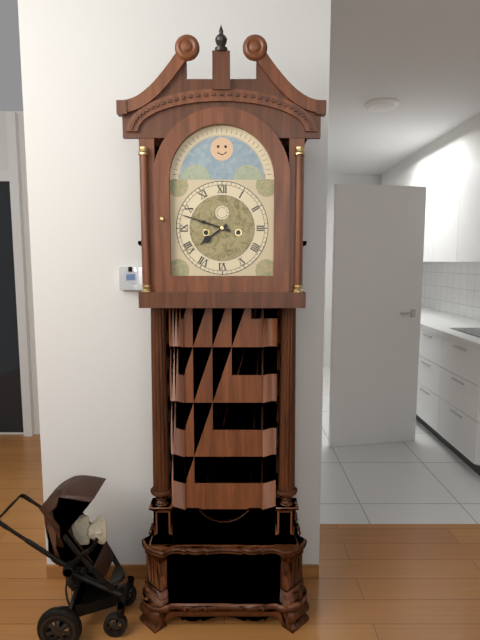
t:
7h48
